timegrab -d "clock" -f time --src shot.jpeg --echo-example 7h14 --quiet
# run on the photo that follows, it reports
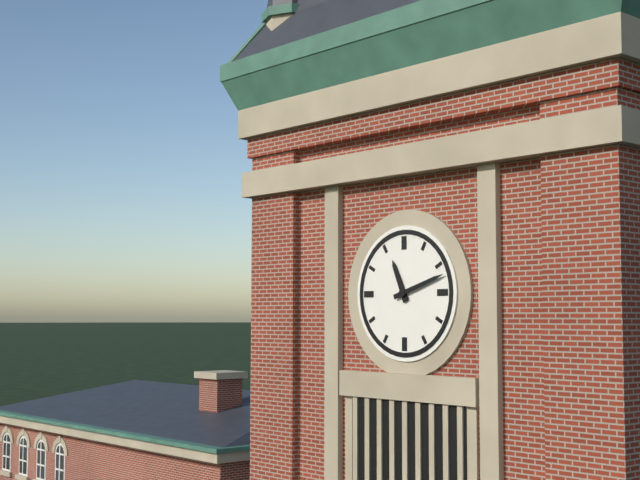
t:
11h12
